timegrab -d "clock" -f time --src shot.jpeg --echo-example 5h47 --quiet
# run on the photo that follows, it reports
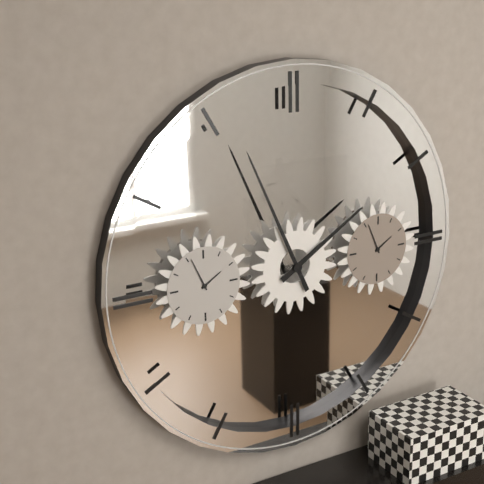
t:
1h56
